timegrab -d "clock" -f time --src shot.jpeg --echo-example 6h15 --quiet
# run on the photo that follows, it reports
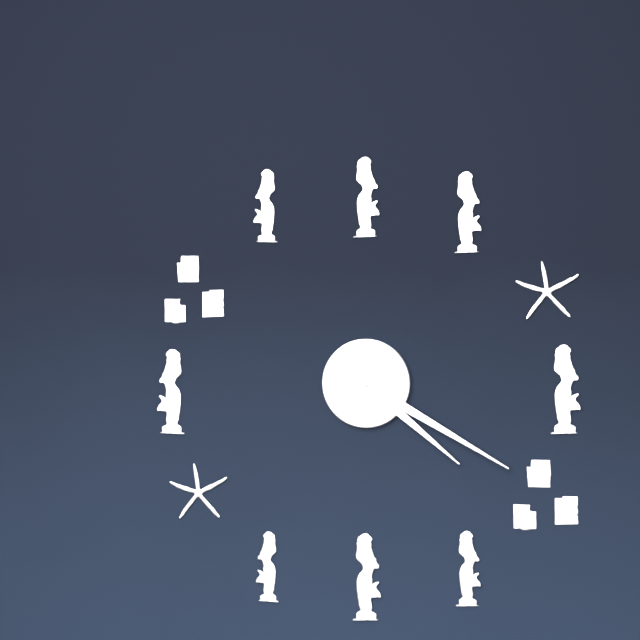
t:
4h20
